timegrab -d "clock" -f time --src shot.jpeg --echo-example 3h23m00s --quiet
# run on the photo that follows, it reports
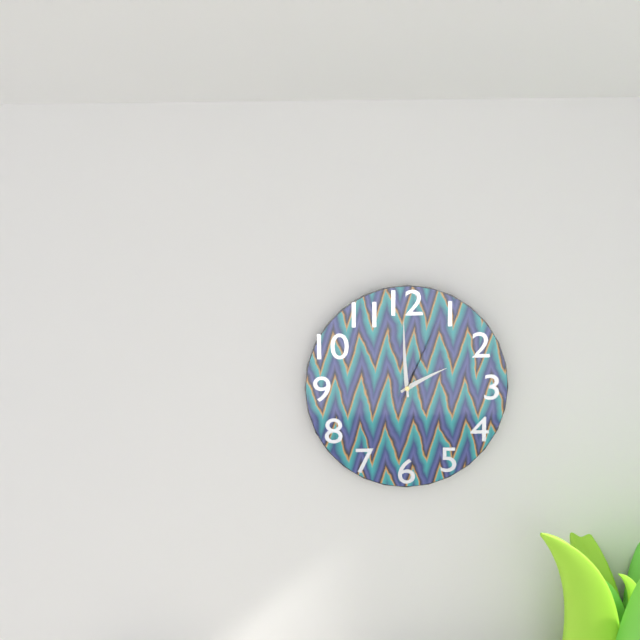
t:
1h59m04s
